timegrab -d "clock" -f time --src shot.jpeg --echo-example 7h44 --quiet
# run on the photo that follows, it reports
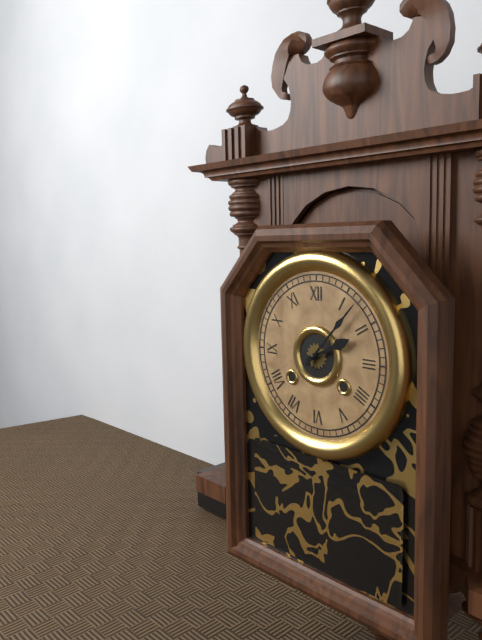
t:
2h07
